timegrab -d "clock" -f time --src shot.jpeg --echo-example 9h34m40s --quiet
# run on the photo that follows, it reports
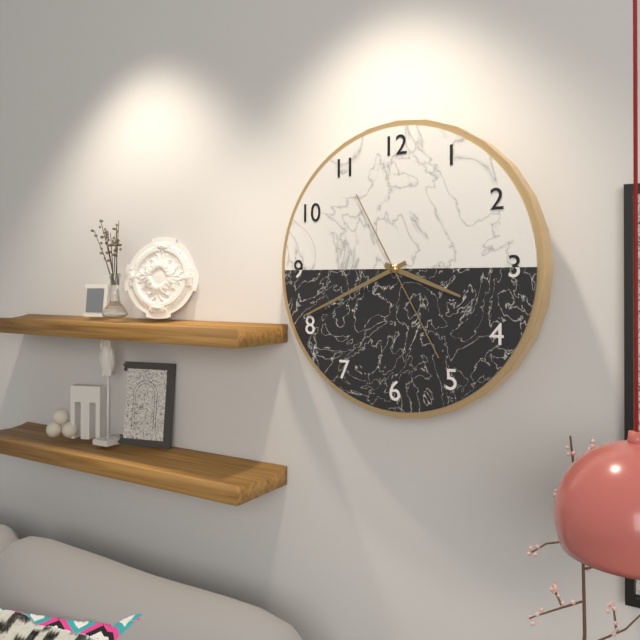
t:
3h41m25s
